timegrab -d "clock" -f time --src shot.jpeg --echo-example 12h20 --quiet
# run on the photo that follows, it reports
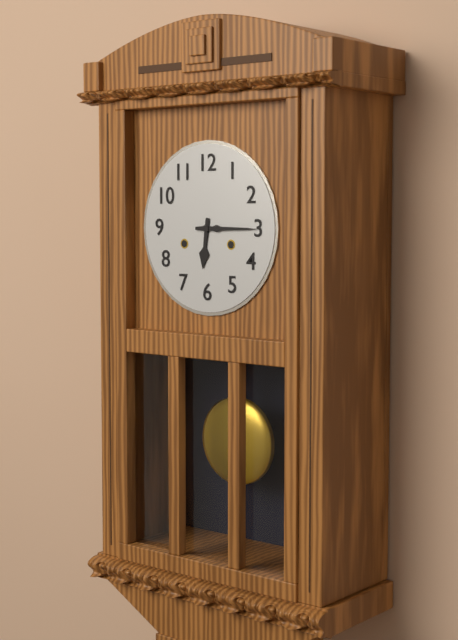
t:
6h15
